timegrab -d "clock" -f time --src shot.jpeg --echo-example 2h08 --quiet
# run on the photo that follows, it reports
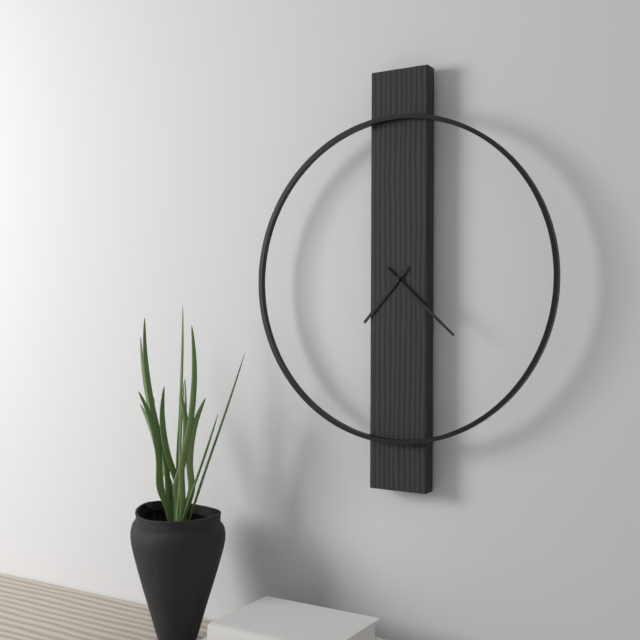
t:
7h22
